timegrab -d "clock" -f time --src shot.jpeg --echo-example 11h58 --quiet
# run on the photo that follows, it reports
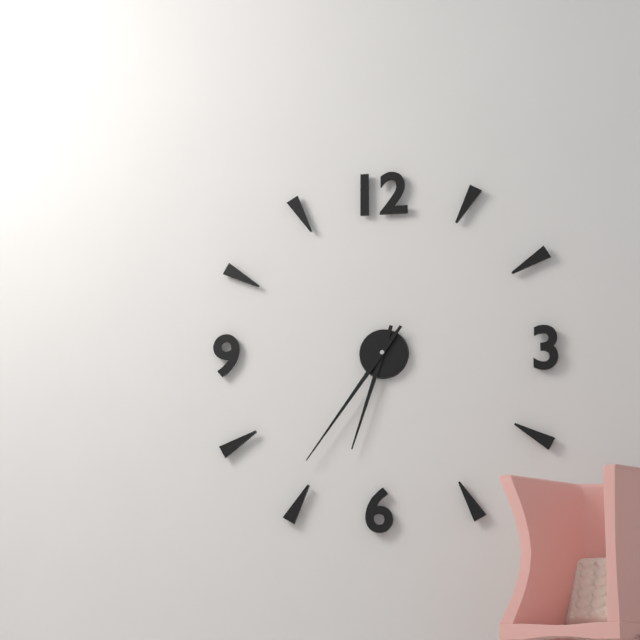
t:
6h36
